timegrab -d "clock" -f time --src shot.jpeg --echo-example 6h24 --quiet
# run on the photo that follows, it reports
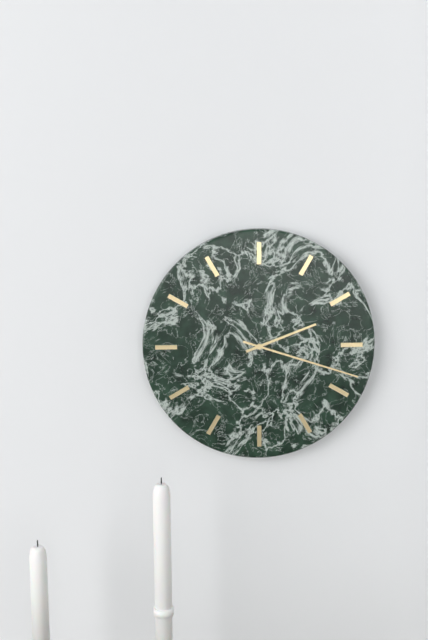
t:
2h18
